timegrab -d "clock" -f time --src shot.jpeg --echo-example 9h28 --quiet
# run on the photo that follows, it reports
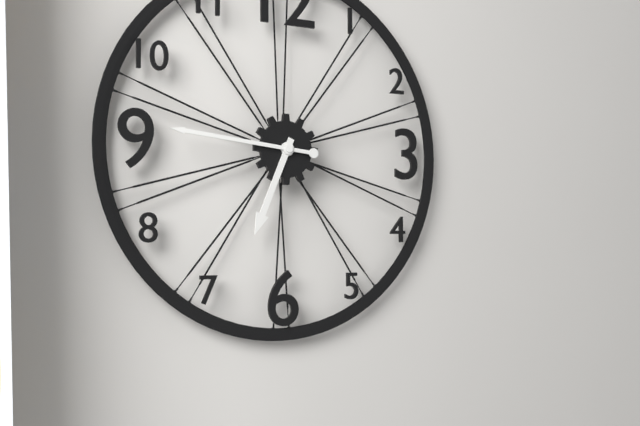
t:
6h46
